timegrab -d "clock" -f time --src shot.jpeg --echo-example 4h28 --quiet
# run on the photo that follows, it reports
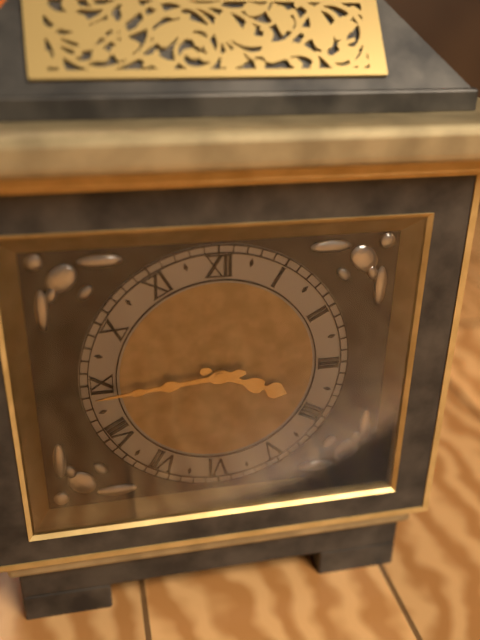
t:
3h44
